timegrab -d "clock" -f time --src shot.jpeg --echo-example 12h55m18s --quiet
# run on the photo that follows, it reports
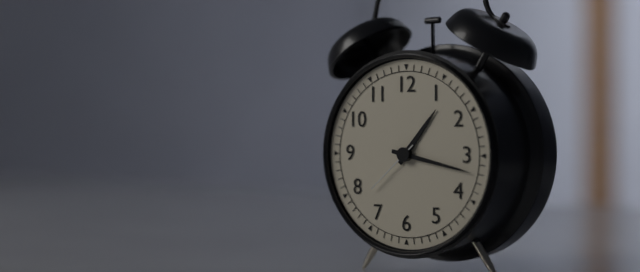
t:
1h17m38s
